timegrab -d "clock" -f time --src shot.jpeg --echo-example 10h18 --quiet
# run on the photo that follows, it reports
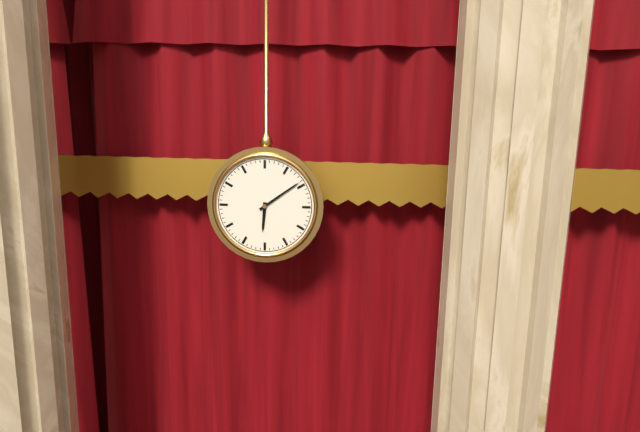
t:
6h09
